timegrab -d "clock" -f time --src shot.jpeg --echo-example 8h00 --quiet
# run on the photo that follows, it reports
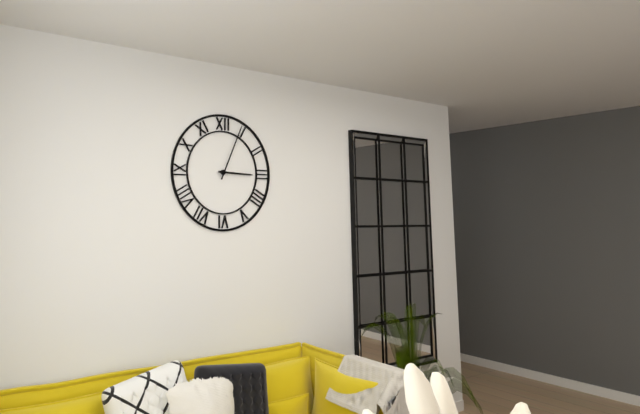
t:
3h04
